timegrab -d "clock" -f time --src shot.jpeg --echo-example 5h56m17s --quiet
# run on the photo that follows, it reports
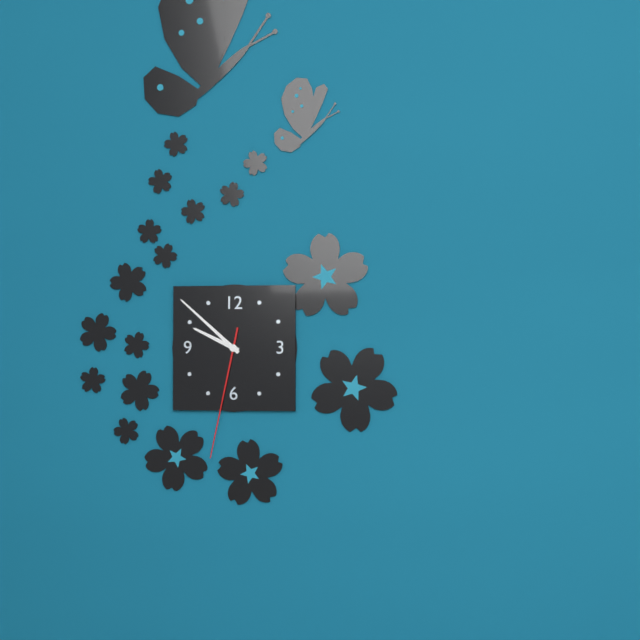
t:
9h52m32s
